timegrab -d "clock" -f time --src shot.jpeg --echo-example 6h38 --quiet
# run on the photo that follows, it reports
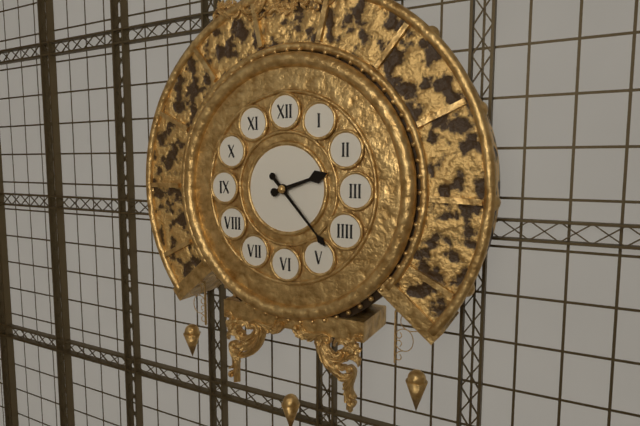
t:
2h23
